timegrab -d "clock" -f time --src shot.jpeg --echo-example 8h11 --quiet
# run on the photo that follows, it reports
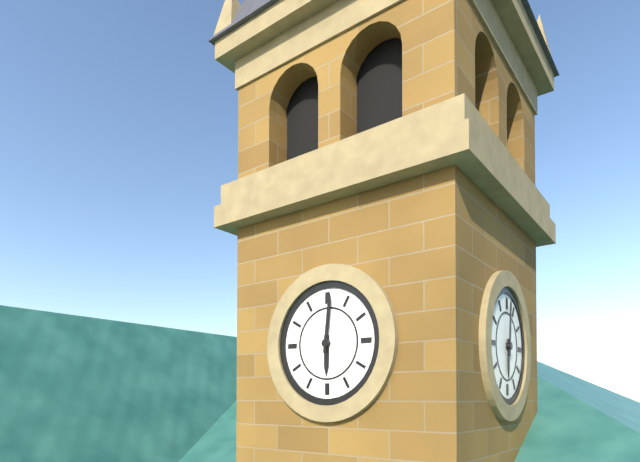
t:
6h01
